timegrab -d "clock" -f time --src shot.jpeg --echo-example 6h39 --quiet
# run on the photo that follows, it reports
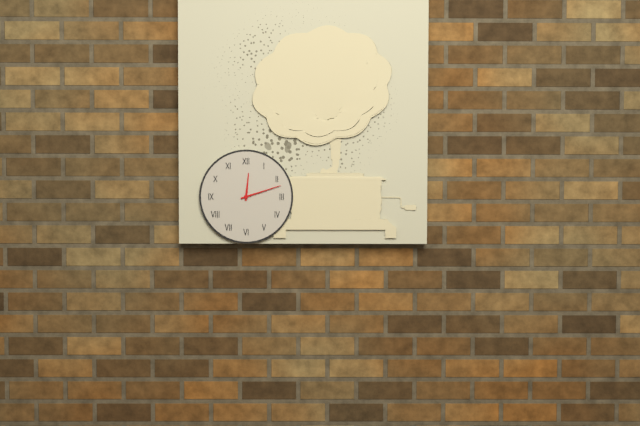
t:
12h12
